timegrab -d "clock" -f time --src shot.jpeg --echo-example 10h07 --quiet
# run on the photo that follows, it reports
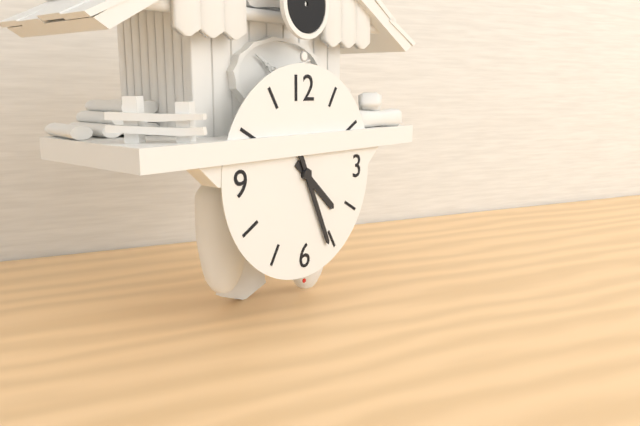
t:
4h26
